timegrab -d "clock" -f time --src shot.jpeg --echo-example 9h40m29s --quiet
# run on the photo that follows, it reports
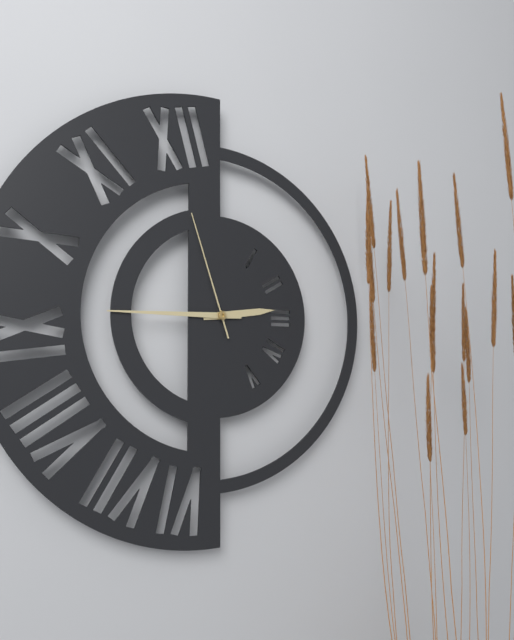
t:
2h45m57s
